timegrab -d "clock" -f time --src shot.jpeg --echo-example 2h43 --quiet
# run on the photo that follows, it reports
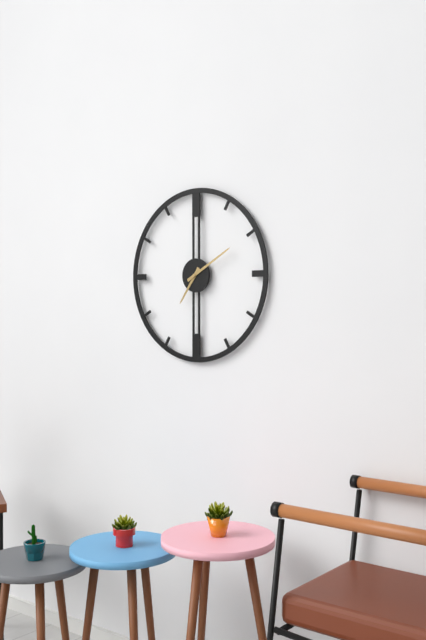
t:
7h10
